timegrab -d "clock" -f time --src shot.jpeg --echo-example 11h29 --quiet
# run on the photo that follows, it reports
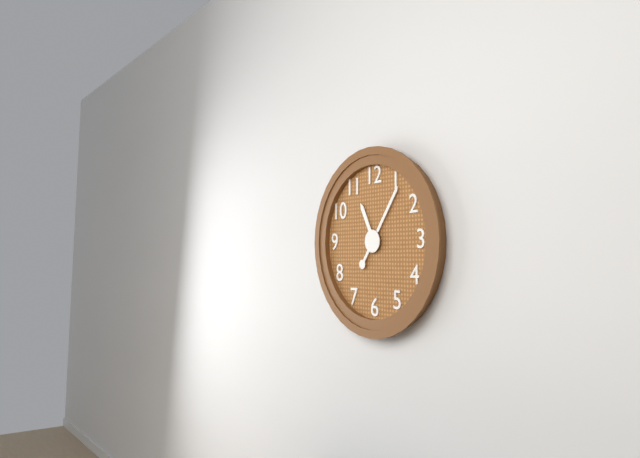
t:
11h06
